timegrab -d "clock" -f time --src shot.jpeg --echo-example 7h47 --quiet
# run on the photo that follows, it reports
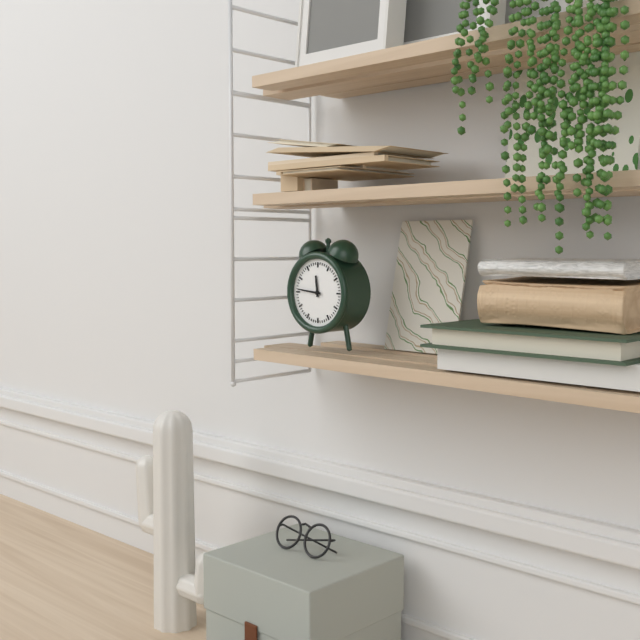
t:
11h46
